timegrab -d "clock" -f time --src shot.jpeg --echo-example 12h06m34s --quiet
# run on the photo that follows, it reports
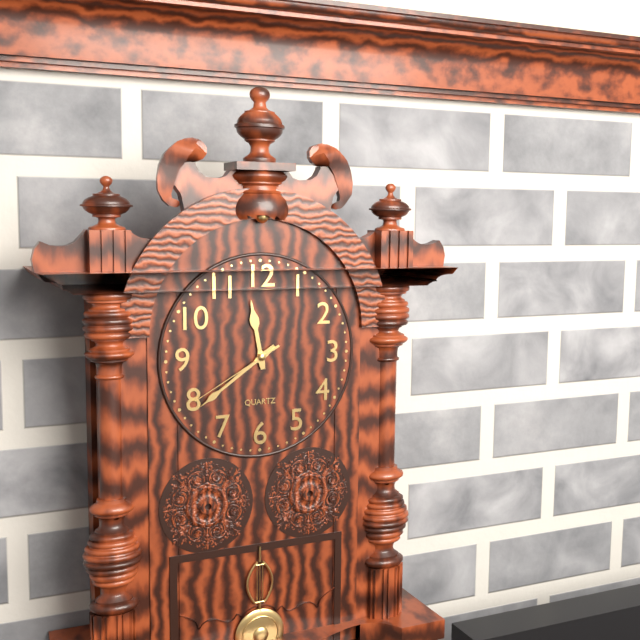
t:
11h39m40s
